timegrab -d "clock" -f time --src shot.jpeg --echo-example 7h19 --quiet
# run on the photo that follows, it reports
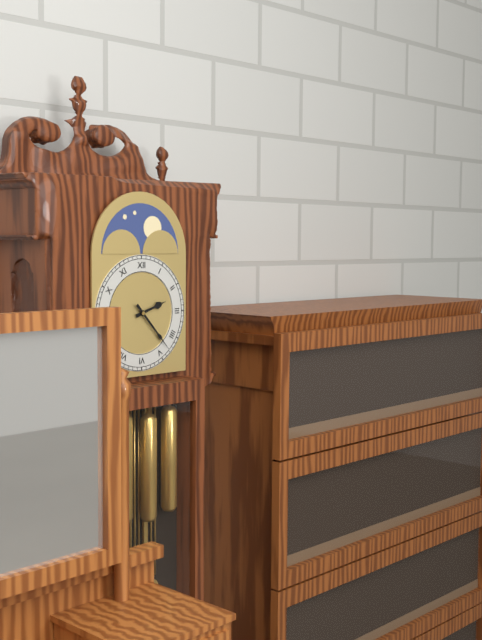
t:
2h23
